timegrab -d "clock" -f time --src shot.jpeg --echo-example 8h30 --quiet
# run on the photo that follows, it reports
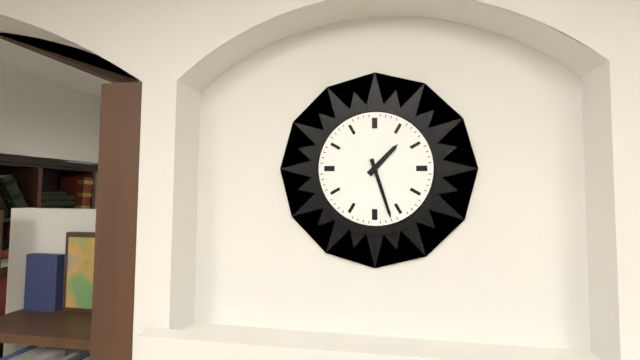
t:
1h27
